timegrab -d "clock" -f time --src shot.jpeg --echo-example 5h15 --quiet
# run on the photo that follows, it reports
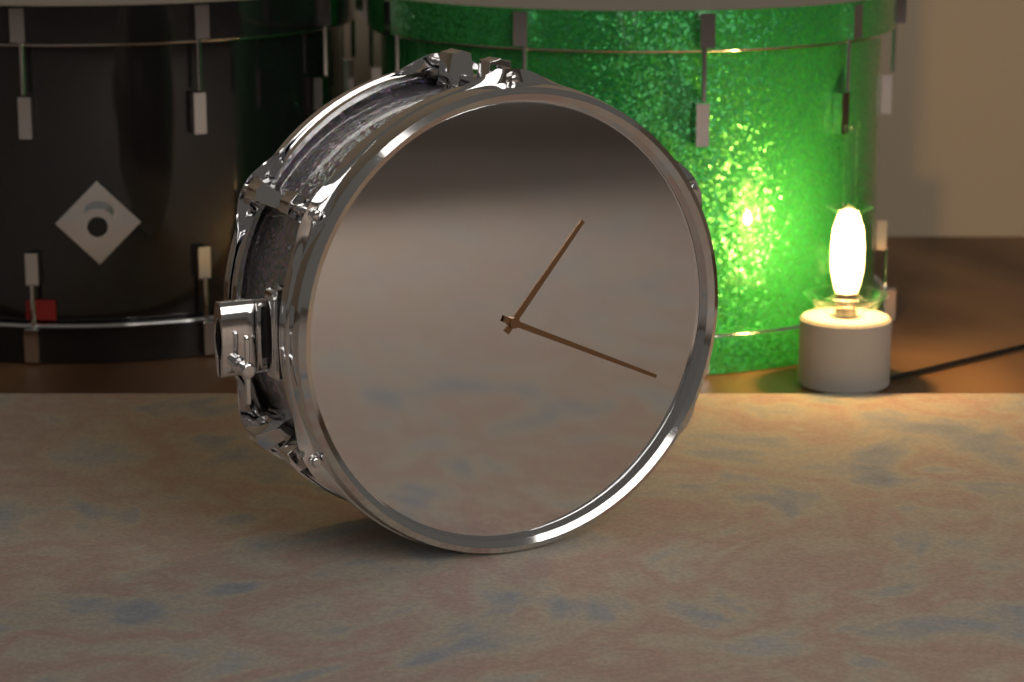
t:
1h19
